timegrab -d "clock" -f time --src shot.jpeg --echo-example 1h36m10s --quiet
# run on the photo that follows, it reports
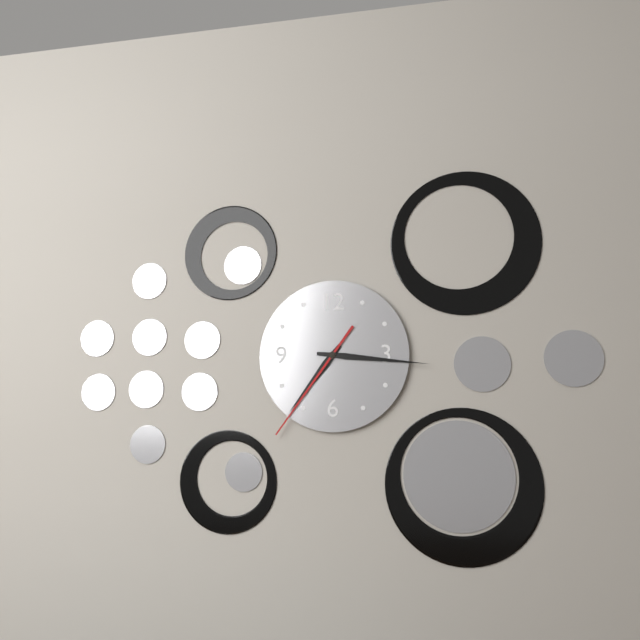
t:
7h16m36s
